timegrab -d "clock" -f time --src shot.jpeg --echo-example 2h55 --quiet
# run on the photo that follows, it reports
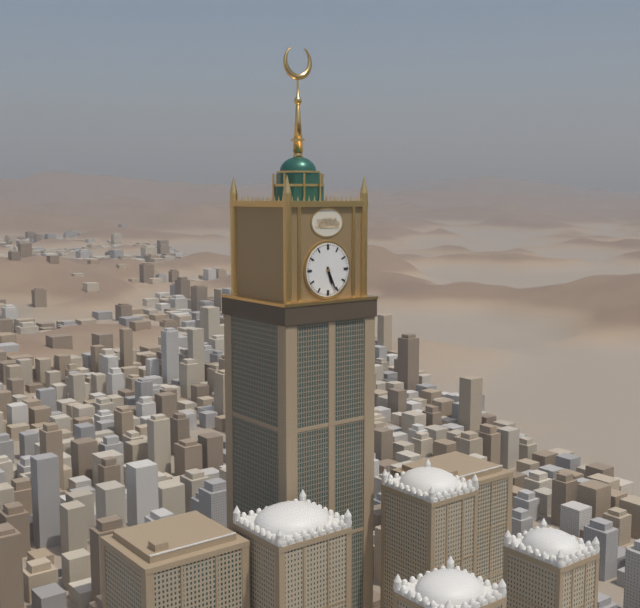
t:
5h26
